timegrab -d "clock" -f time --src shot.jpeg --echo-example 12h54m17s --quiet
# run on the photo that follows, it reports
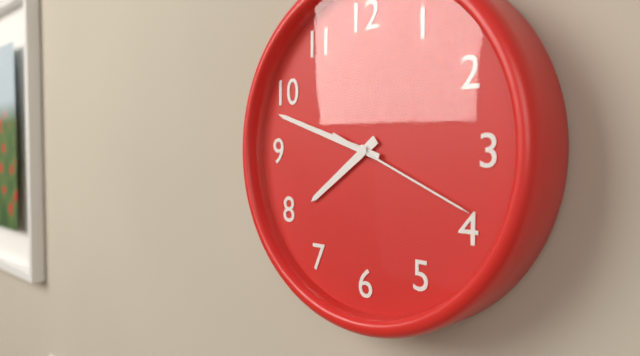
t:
7h48m19s
